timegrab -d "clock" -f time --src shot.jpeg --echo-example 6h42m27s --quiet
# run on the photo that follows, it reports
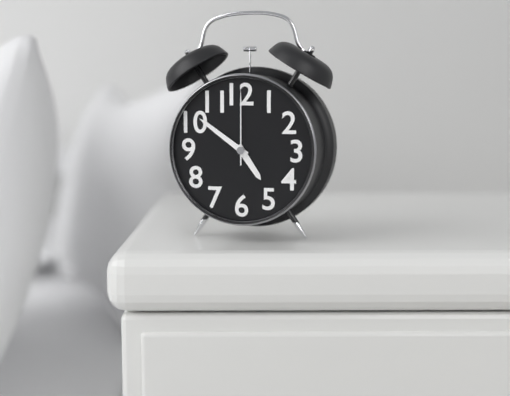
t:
4h51m00s
